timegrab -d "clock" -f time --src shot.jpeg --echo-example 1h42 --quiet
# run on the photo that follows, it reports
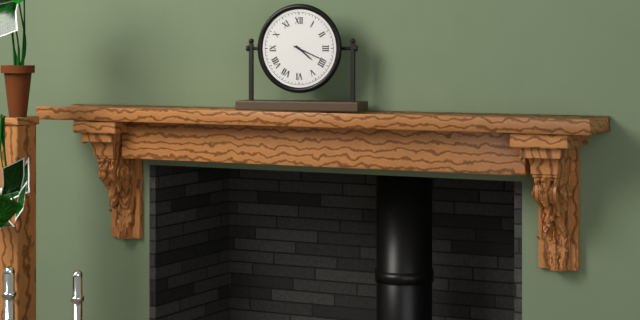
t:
4h19
